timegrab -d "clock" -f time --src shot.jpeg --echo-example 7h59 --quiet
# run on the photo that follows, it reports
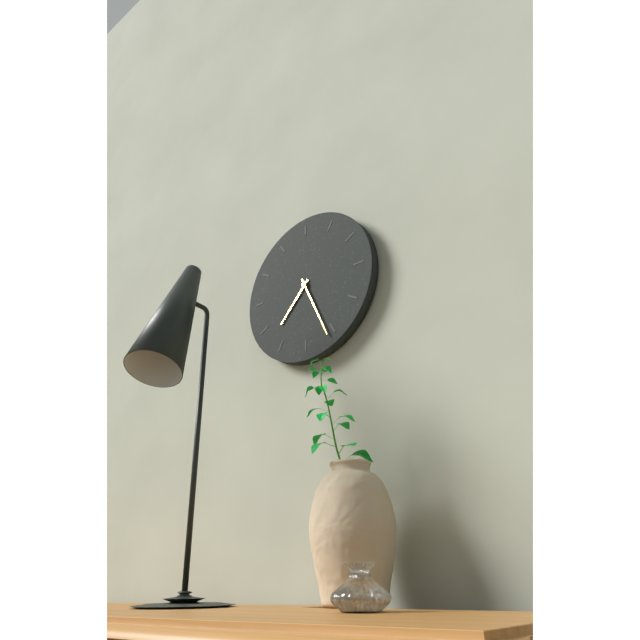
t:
7h26
